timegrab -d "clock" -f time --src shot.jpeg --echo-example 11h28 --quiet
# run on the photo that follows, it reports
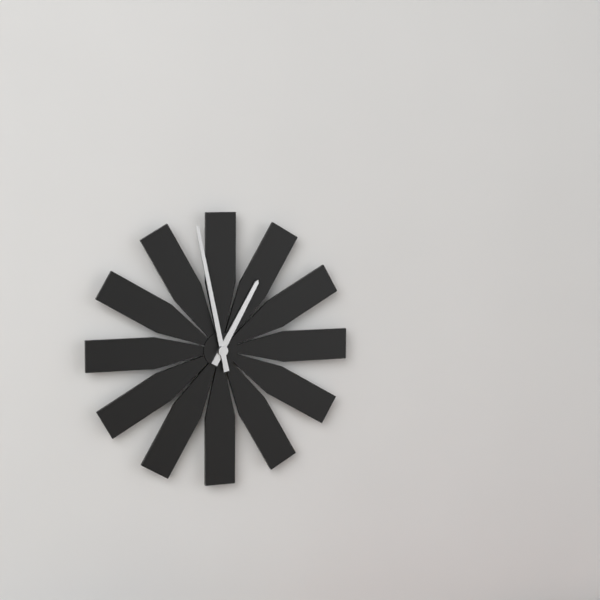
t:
12h58
